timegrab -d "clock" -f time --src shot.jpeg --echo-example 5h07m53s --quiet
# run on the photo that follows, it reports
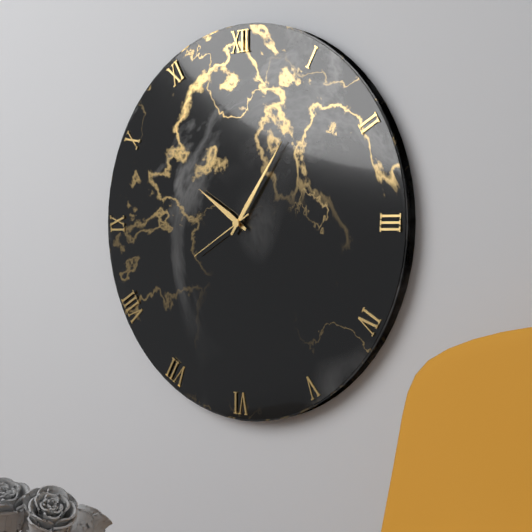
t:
10h06m40s
